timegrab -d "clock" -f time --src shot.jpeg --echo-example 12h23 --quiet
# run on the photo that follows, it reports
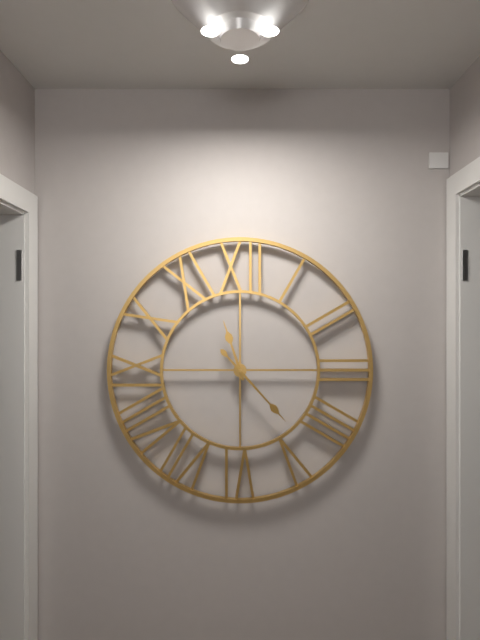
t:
11h23
